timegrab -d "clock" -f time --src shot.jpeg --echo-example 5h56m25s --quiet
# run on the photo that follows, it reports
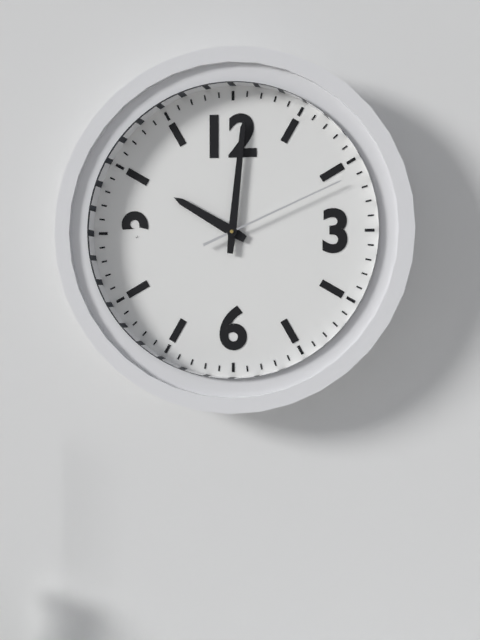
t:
10h01m11s
